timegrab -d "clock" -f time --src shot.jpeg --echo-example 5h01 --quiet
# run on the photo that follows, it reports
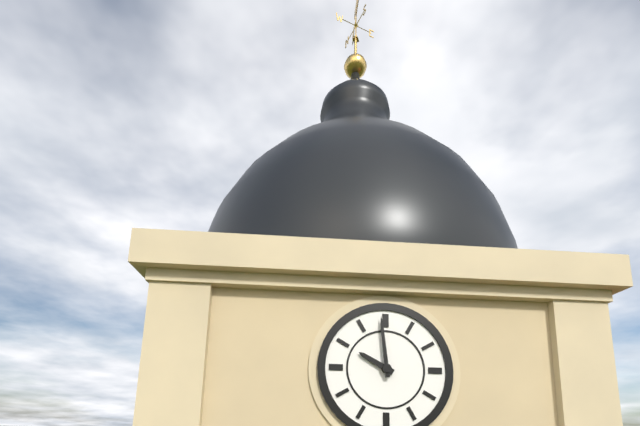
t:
9h59
